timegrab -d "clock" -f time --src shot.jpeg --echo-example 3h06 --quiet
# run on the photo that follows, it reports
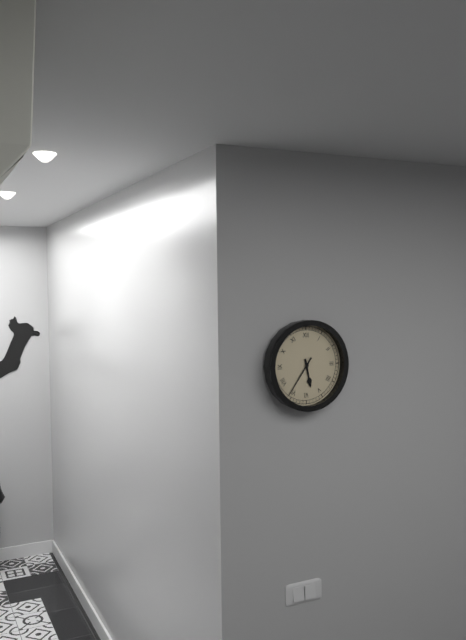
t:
5h36
